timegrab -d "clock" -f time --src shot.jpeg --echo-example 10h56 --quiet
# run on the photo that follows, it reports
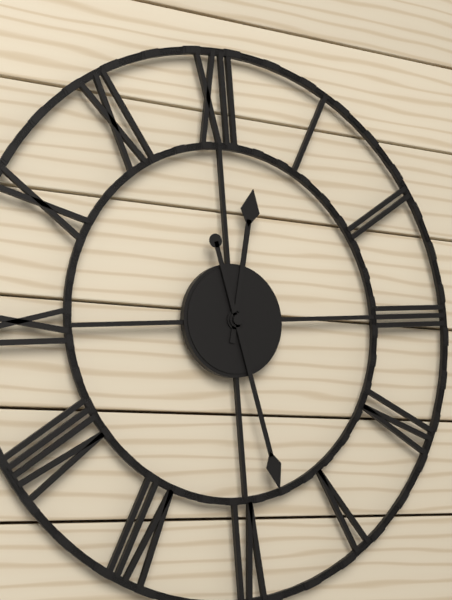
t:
12h28
